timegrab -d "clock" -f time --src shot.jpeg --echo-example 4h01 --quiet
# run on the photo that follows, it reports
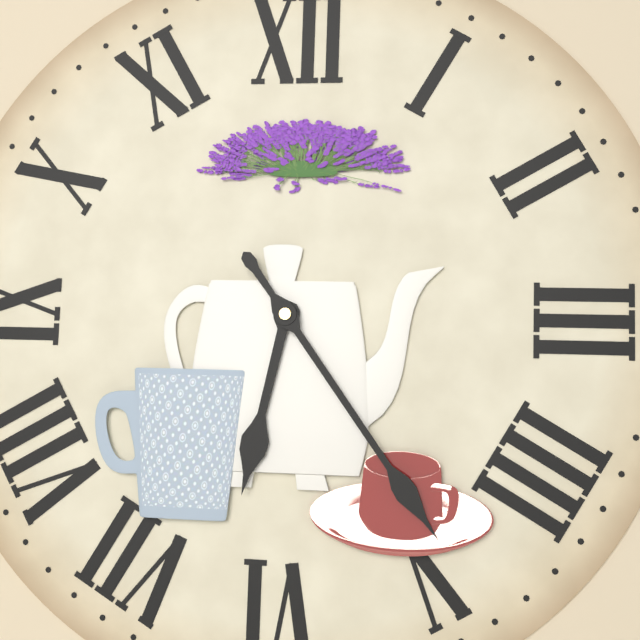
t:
6h24
